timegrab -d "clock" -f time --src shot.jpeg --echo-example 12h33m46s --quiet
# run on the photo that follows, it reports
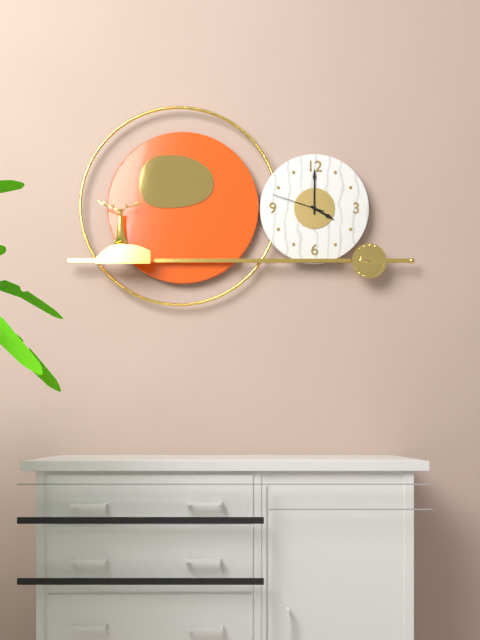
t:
4h00m48s
